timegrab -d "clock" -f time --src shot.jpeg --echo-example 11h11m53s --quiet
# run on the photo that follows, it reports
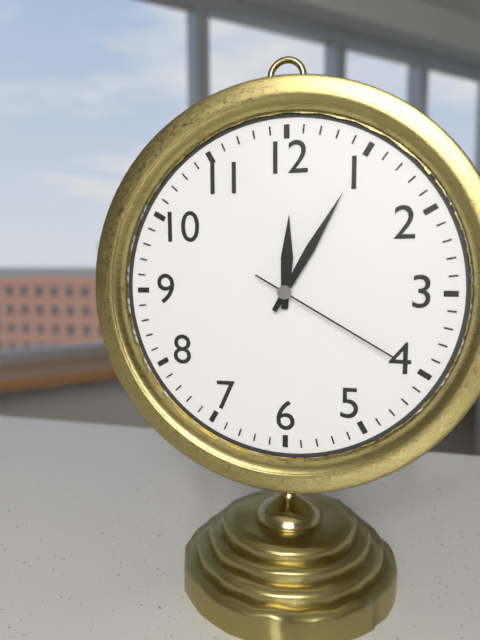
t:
12h05m20s
